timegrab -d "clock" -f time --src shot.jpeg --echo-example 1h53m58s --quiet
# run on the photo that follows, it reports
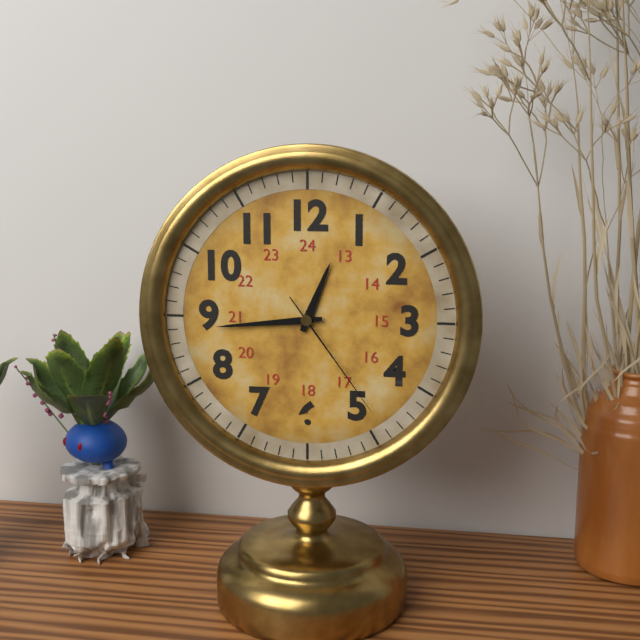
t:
12h44m24s
